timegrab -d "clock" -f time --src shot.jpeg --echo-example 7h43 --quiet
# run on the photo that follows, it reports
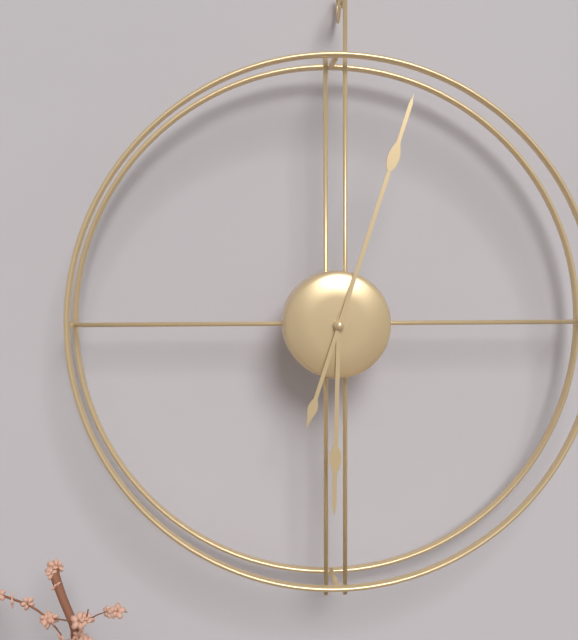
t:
6h03
